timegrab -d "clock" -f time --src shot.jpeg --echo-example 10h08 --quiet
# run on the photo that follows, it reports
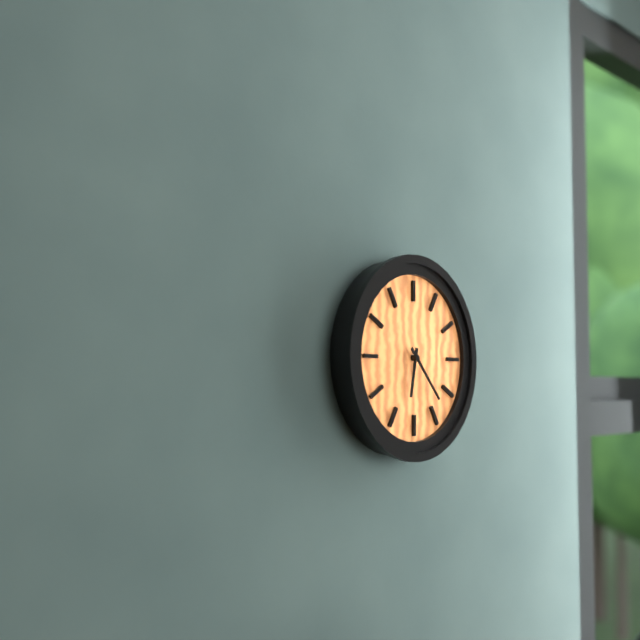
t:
6h23
